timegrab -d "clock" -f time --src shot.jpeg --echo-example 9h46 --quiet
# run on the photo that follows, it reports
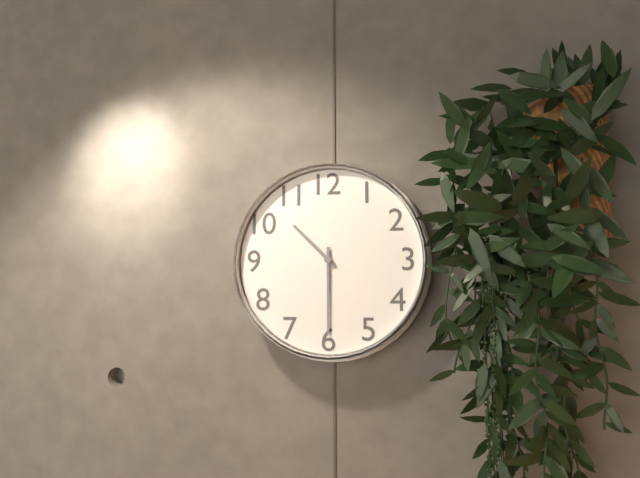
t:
10h30
